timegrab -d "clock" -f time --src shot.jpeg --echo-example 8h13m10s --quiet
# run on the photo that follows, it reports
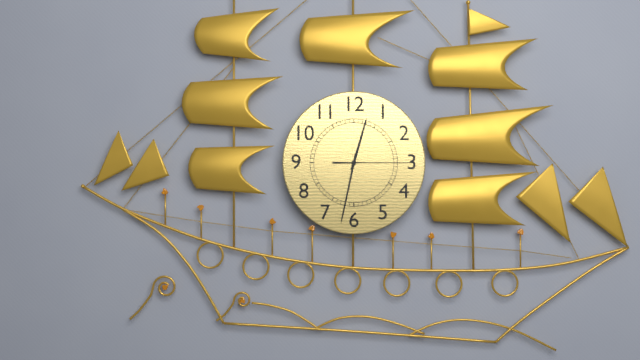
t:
12h32m15s
